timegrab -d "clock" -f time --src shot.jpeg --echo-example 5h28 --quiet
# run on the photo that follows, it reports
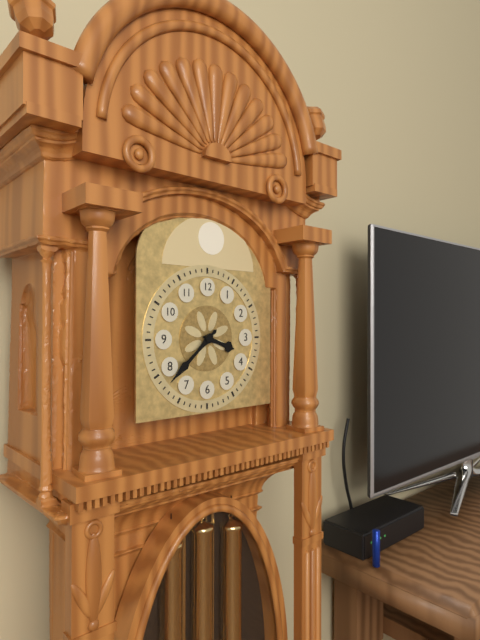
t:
3h38
